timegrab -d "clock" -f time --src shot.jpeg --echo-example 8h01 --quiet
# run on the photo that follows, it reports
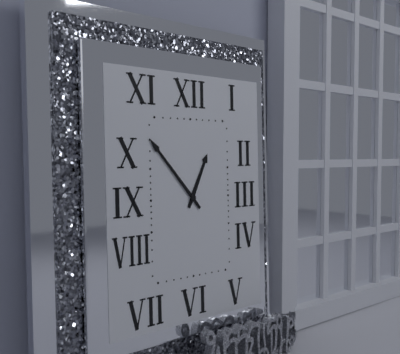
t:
12h53
